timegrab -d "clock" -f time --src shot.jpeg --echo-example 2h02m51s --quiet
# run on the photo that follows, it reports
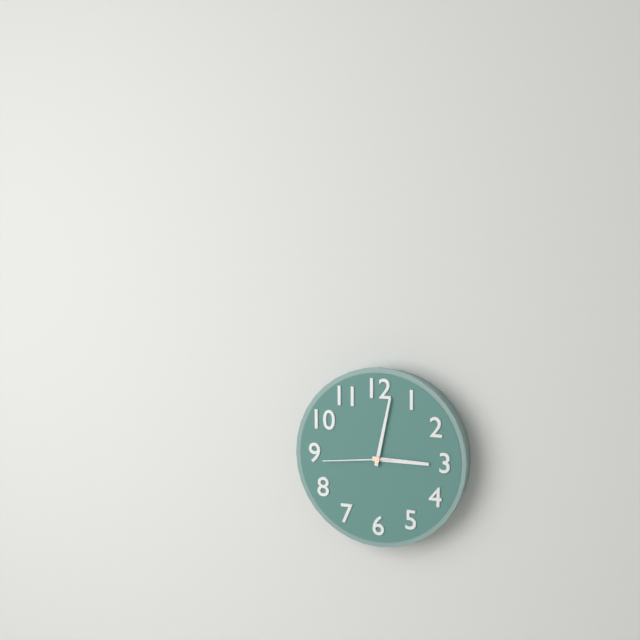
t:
3h02m44s
